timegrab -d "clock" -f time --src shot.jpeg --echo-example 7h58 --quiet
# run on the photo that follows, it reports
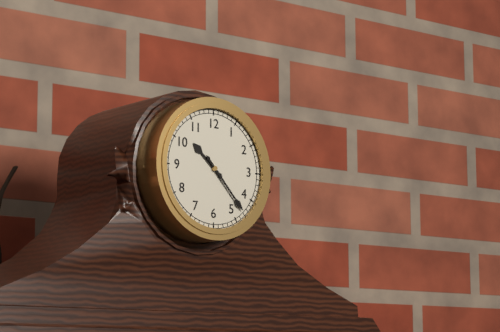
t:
10h23
